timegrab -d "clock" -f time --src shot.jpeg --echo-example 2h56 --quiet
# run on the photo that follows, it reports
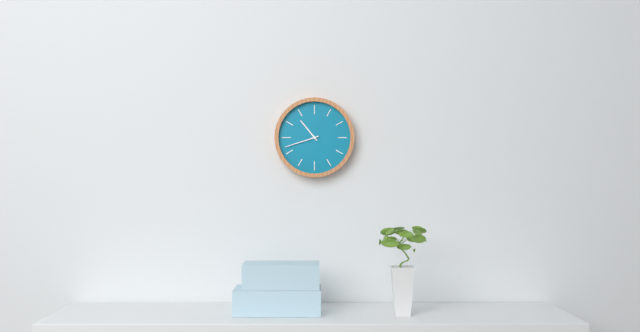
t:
10h42
